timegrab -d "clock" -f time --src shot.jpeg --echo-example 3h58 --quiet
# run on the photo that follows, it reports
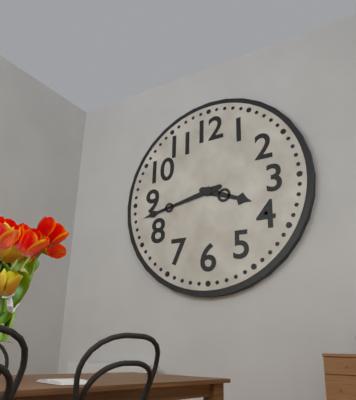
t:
3h43
